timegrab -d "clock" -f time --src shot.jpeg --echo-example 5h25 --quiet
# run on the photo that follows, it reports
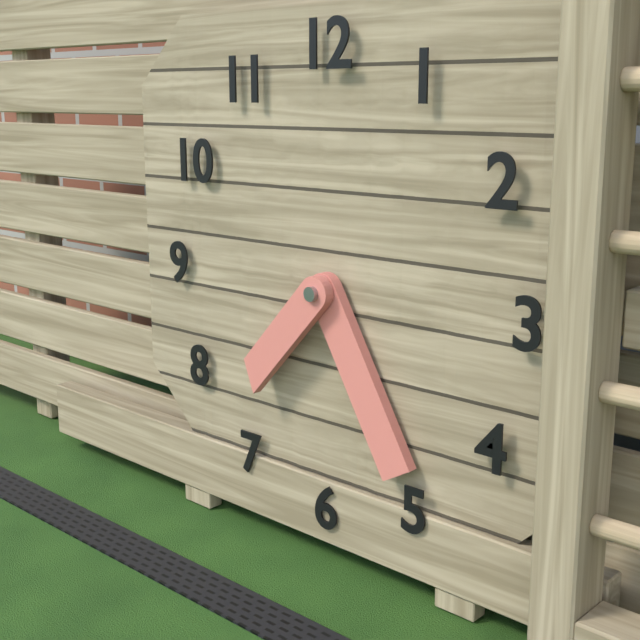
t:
7h25
